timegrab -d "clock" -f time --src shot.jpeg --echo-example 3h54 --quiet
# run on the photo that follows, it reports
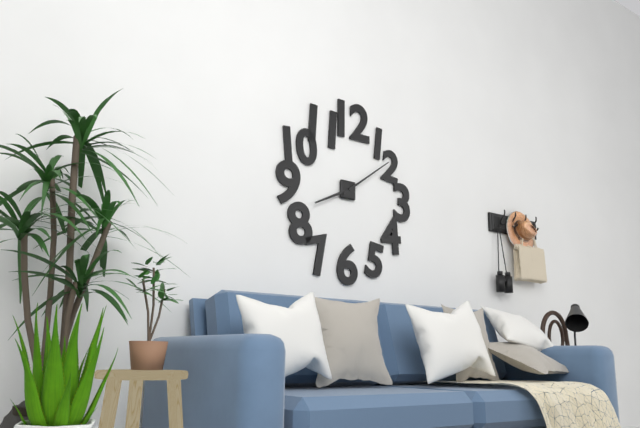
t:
8h09
